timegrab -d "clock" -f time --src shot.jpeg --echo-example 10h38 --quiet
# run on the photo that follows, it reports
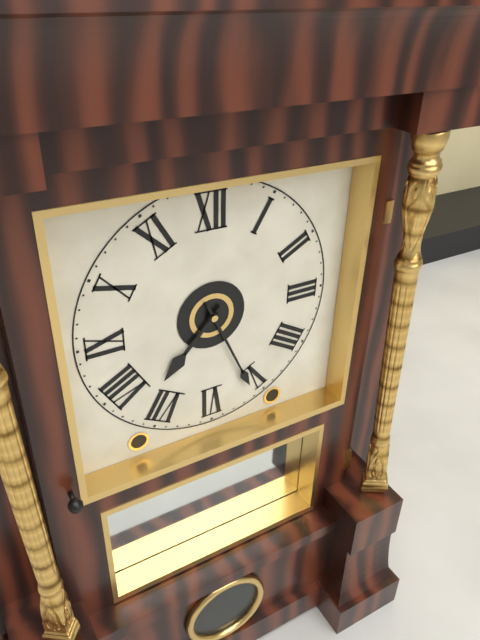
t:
7h26
